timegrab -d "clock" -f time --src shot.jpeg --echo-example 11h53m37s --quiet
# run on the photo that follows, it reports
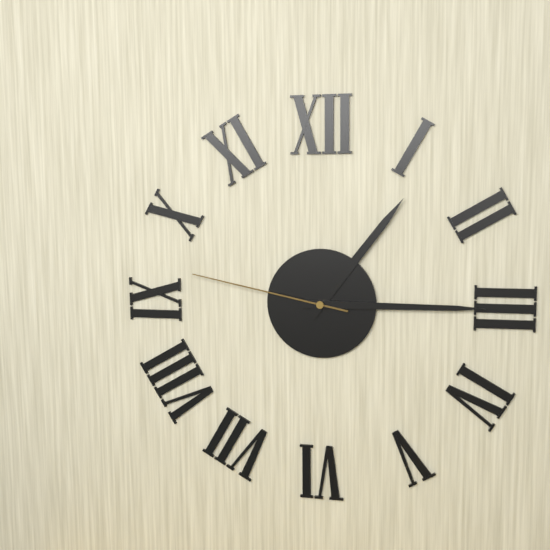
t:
1h15m47s
